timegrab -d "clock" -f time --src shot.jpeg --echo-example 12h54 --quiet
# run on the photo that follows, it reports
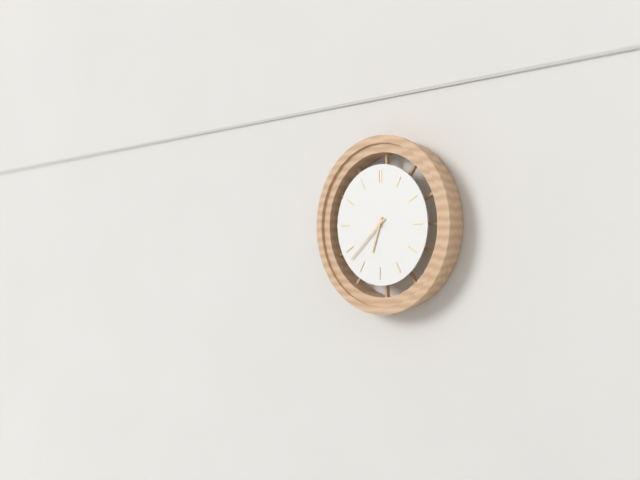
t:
6h38
